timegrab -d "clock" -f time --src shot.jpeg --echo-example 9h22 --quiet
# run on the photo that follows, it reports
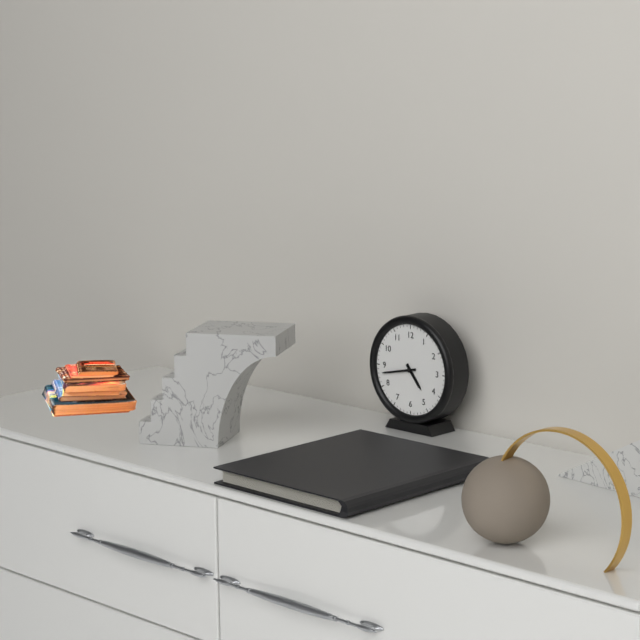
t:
4h43
